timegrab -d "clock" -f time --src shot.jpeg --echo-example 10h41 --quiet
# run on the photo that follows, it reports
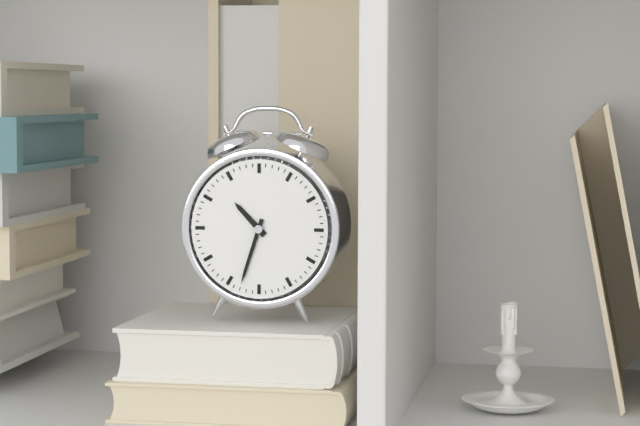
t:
10h33
